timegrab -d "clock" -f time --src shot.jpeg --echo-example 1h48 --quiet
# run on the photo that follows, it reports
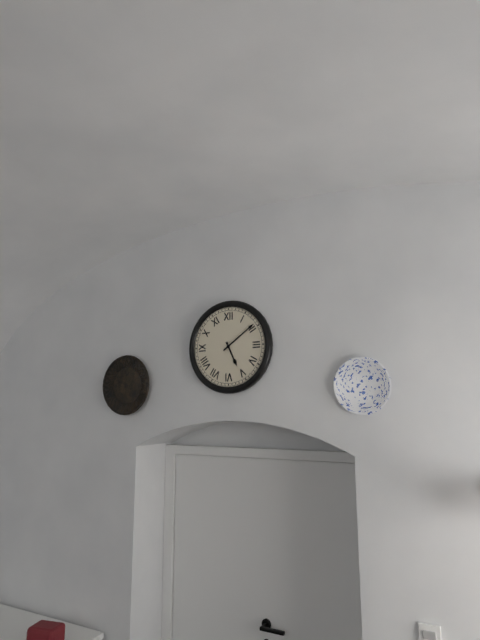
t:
5h09
